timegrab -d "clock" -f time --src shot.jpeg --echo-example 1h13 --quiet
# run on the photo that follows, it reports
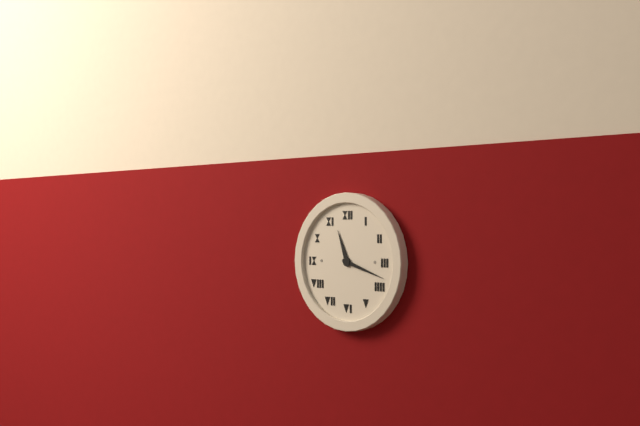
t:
11h18
